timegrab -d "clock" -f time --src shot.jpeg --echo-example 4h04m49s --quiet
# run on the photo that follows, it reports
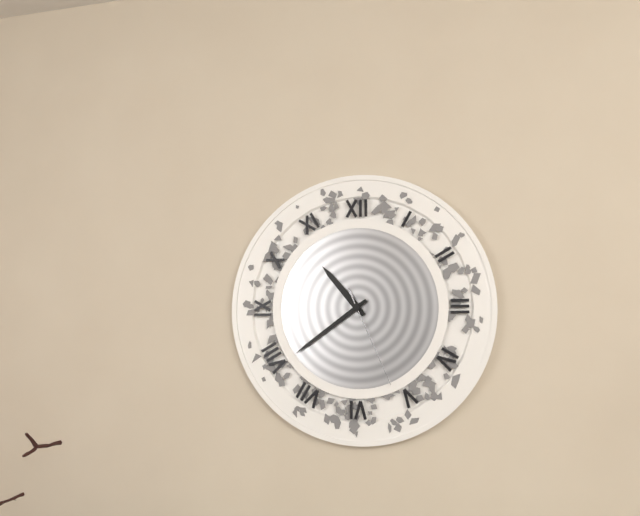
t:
10h39m26s
